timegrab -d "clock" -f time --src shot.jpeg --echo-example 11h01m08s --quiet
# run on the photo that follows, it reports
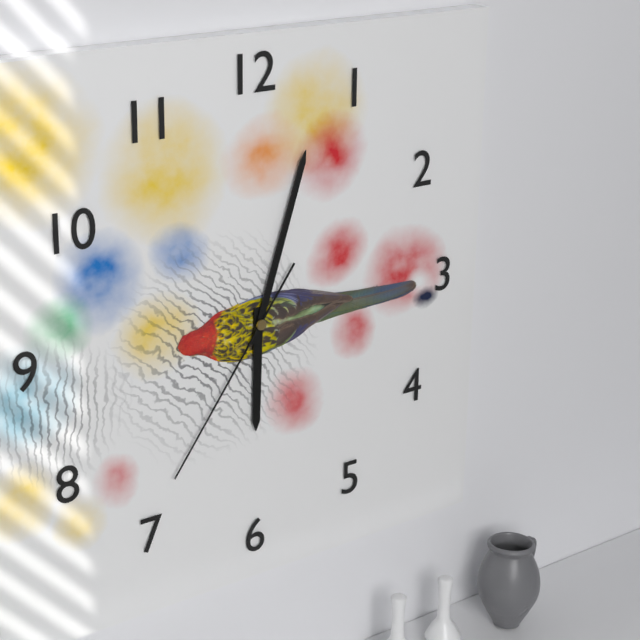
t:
6h03m36s
